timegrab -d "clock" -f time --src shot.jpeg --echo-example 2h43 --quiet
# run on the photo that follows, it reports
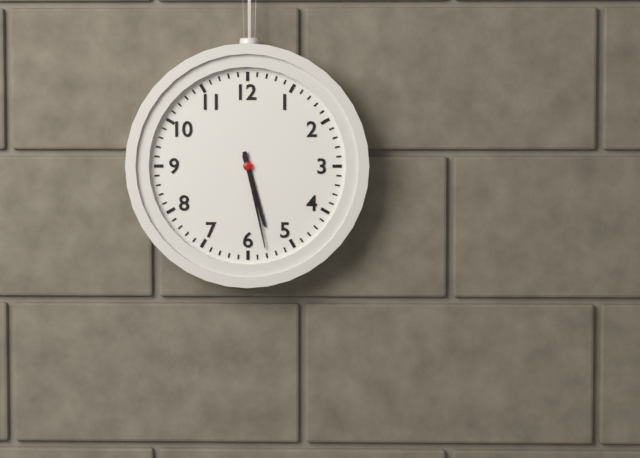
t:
5h28
